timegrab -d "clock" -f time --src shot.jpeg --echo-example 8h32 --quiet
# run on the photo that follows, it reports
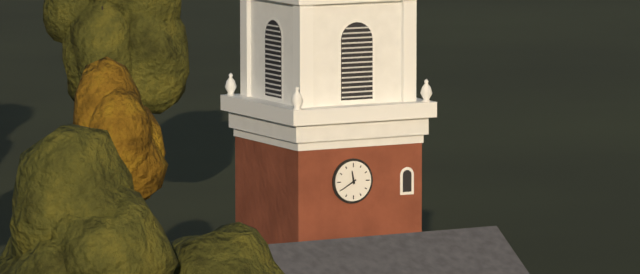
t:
11h40
